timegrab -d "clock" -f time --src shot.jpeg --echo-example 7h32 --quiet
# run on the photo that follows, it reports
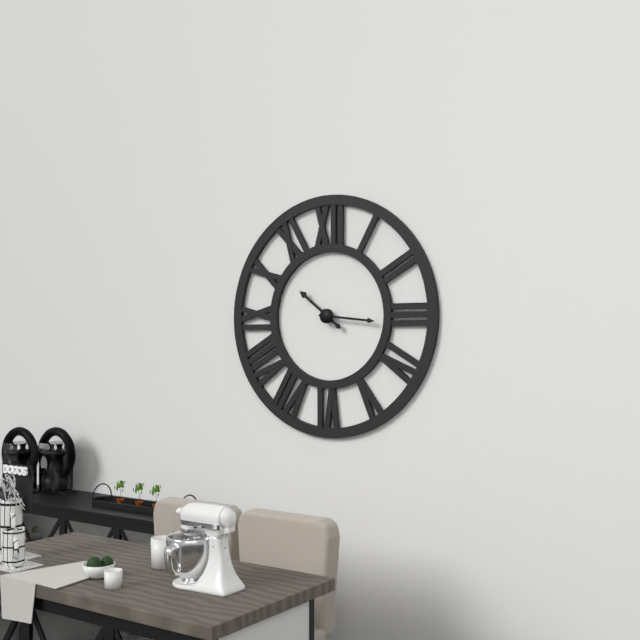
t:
10h16
